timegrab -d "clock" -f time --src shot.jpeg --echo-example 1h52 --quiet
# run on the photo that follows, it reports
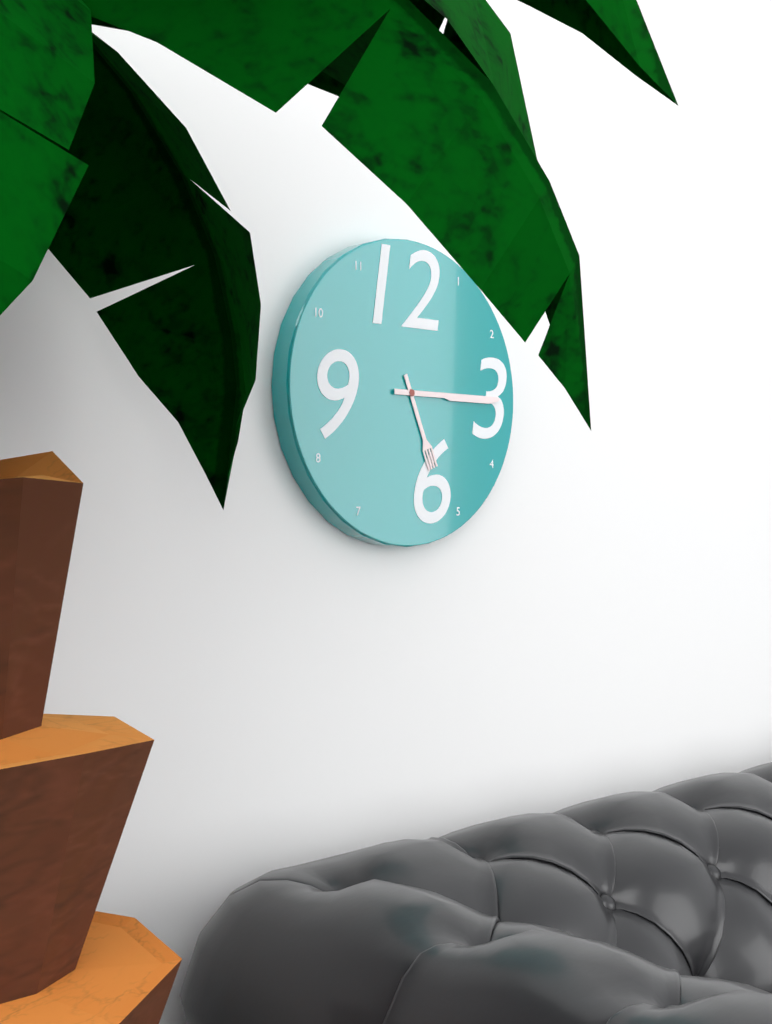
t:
5h15
